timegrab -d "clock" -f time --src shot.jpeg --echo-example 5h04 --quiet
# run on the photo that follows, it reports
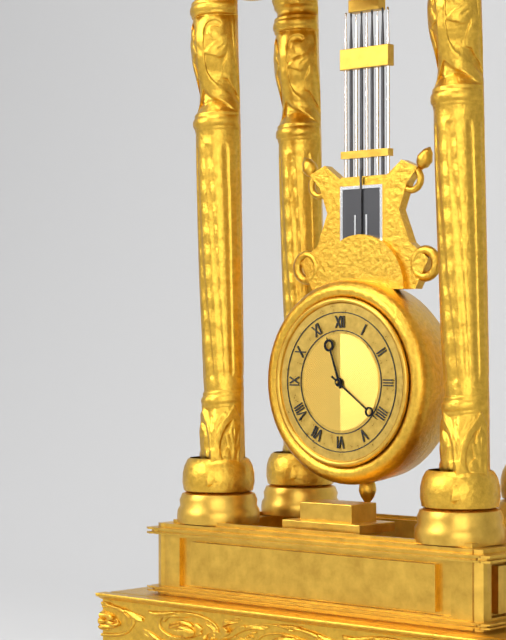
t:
11h21
